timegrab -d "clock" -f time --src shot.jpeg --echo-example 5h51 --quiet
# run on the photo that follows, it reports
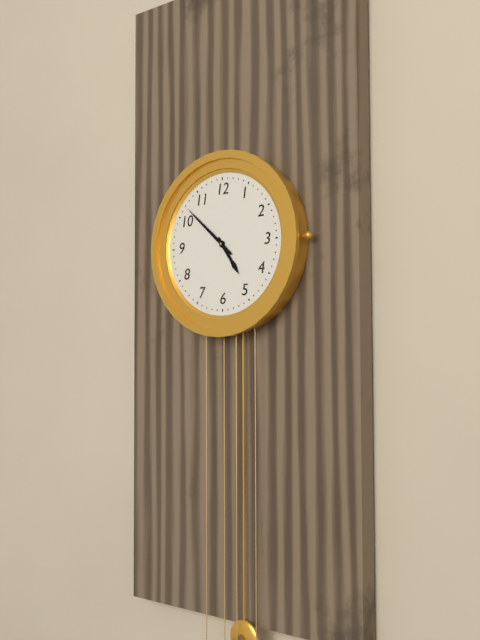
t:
4h52
